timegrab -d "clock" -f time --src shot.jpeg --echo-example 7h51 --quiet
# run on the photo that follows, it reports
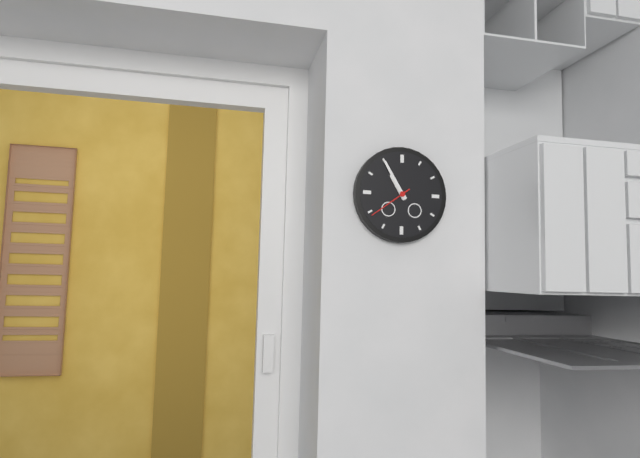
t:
10h55
